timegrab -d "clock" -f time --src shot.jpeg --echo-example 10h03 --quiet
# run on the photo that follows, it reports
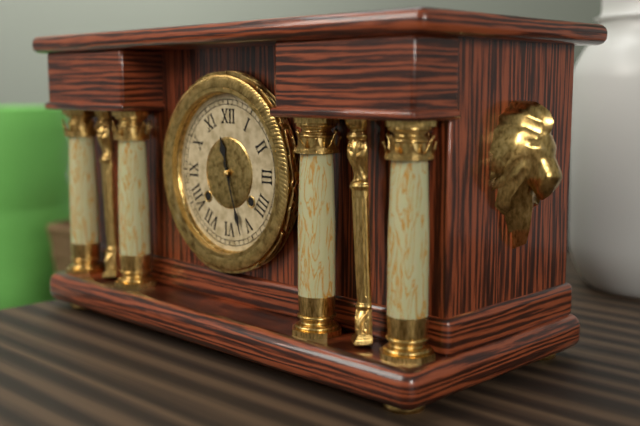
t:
11h27
